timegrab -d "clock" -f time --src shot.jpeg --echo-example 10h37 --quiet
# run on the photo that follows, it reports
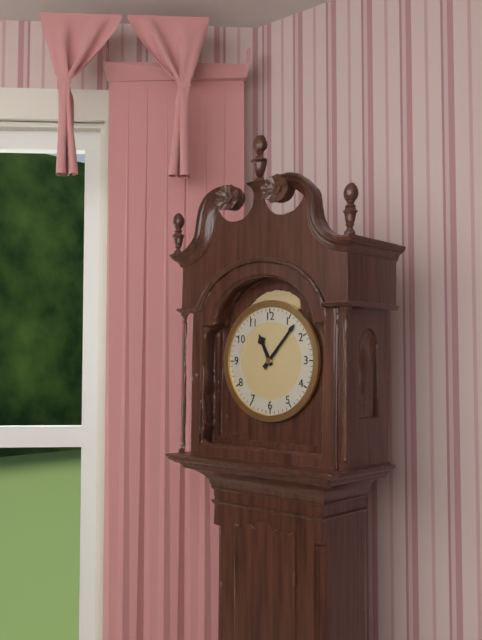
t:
11h07
